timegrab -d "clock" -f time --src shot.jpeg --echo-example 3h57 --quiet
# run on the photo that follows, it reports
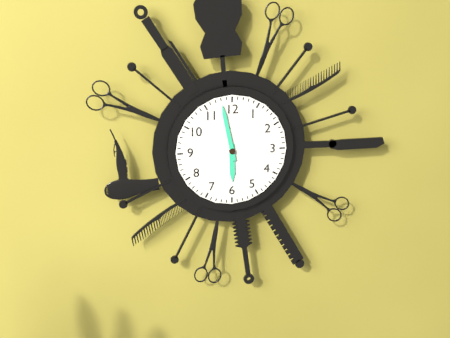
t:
5h58
